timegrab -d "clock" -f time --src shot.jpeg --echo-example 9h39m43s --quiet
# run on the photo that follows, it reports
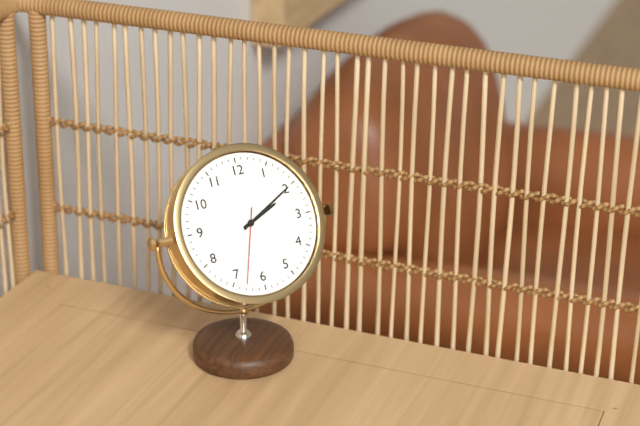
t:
2h10m33s
